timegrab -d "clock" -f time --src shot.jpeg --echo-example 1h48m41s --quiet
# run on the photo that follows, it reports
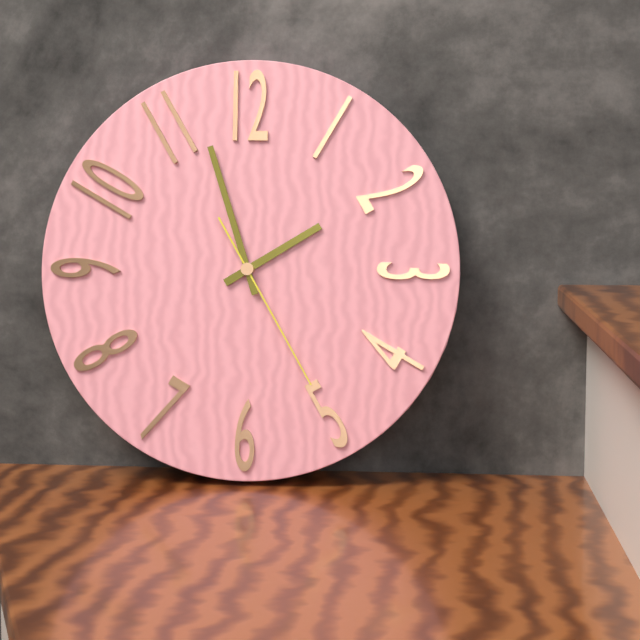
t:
1h57m25s
